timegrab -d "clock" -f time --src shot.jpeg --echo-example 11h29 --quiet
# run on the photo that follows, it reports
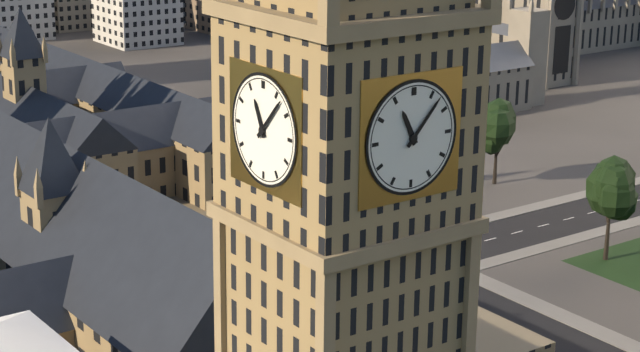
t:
11h07
